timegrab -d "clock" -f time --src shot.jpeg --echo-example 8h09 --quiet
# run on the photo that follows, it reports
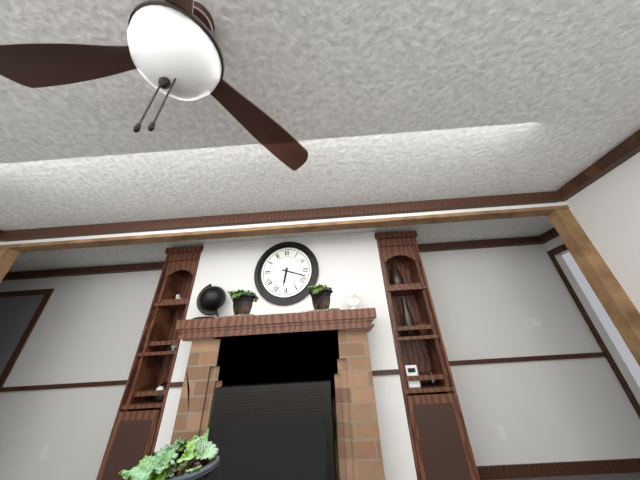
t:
6h18
